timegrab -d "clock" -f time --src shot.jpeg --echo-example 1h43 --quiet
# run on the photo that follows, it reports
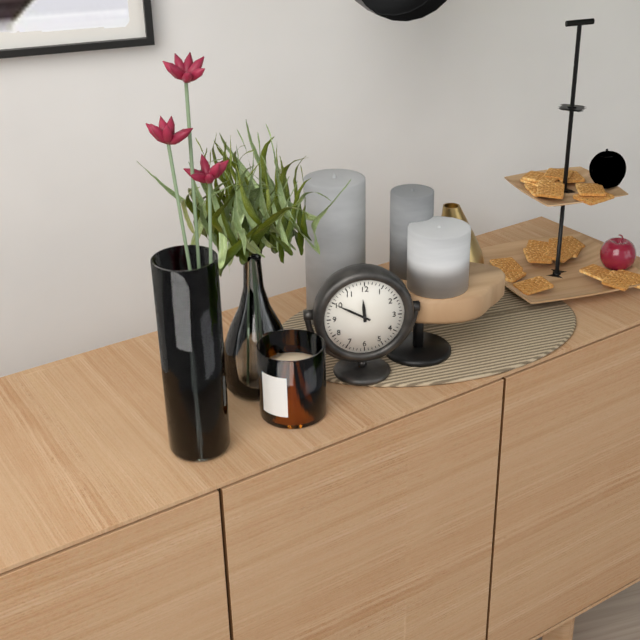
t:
11h50
